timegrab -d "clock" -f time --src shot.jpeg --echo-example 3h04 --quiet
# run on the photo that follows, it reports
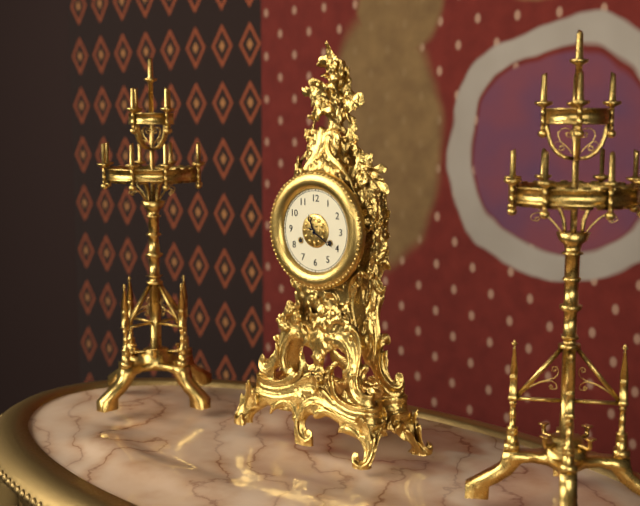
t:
11h20
